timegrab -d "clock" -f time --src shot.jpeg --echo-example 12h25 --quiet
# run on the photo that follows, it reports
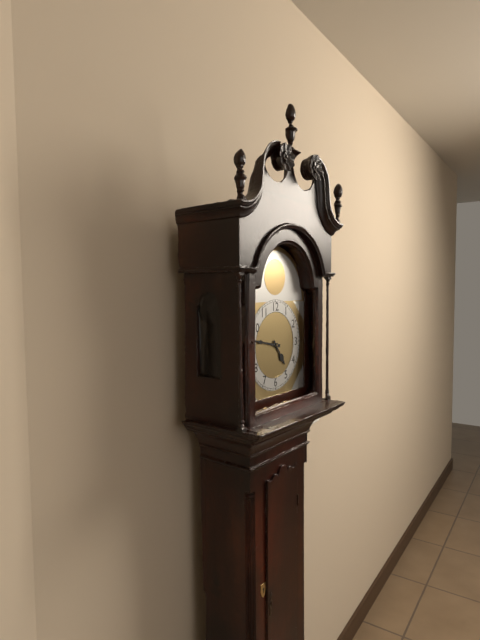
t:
4h47
